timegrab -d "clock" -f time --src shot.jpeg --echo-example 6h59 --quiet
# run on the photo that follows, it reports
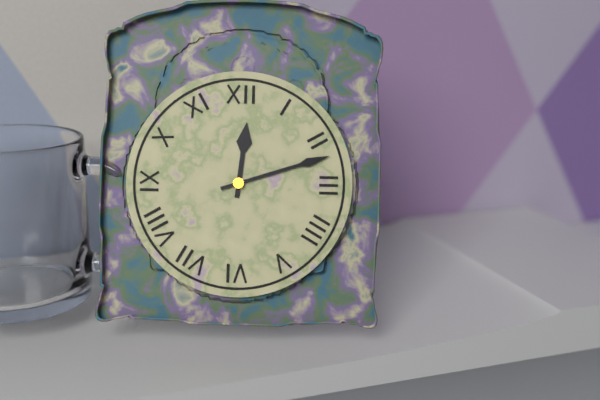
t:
12h12
